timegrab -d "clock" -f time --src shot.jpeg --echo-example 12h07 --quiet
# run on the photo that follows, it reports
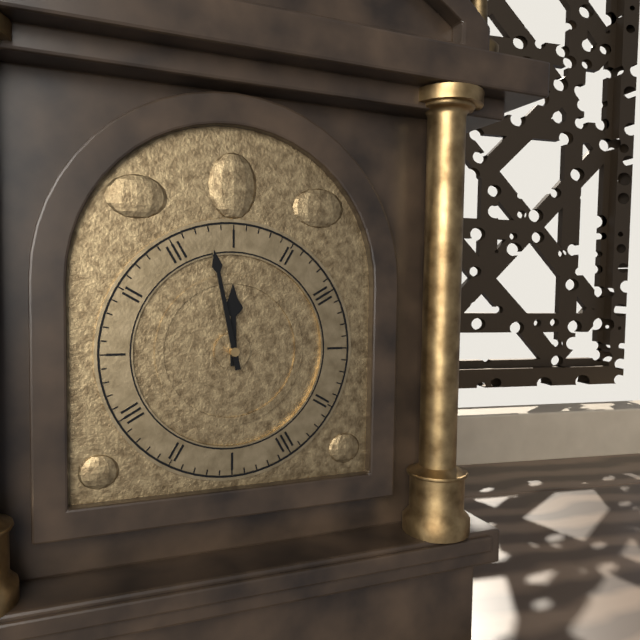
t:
11h58
